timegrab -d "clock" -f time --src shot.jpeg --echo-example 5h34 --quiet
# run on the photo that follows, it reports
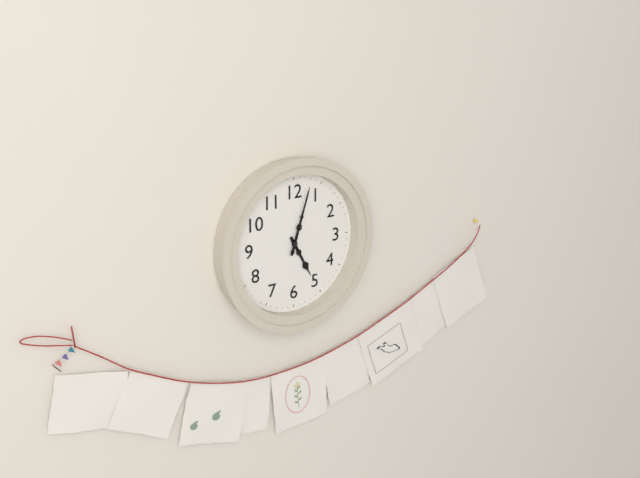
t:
5h03
